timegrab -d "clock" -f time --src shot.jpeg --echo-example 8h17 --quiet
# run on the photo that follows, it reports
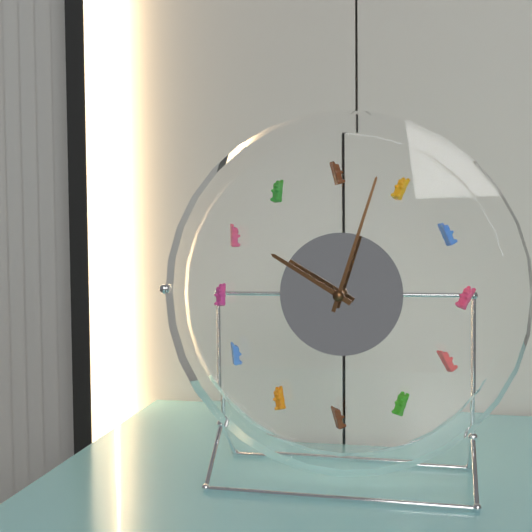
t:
10h03
